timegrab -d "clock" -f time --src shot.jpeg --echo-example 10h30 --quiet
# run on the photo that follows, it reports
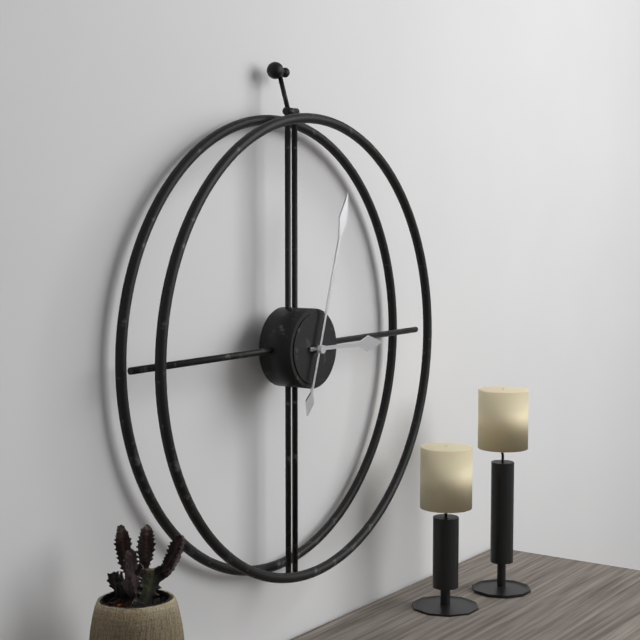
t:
3h03
